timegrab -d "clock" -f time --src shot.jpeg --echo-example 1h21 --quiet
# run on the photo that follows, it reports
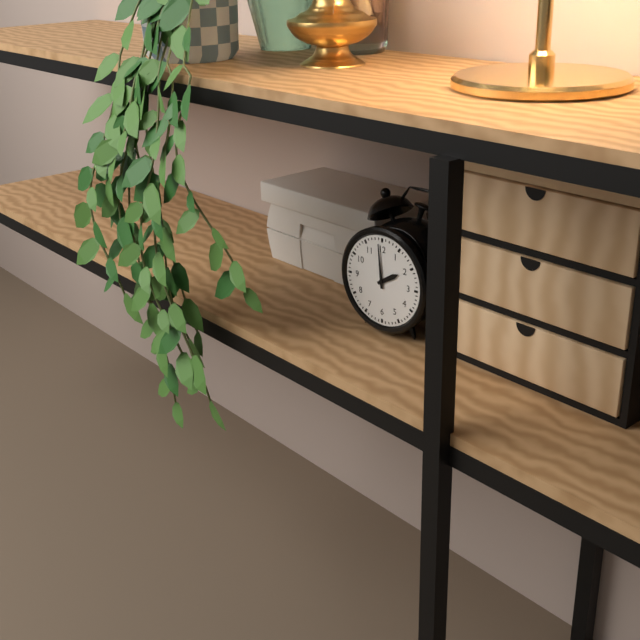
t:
1h59
